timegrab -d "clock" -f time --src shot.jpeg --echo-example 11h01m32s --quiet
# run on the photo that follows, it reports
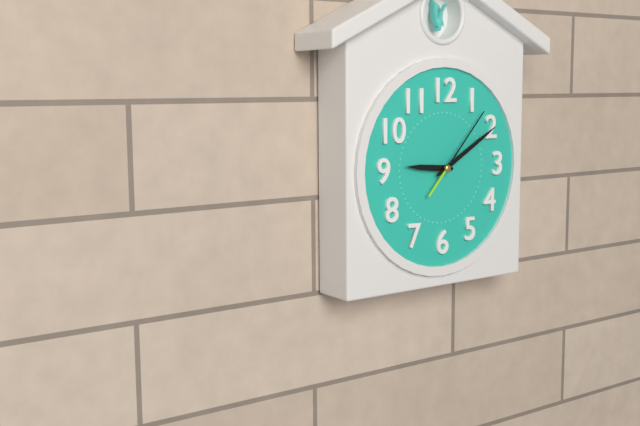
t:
9h10m07s
